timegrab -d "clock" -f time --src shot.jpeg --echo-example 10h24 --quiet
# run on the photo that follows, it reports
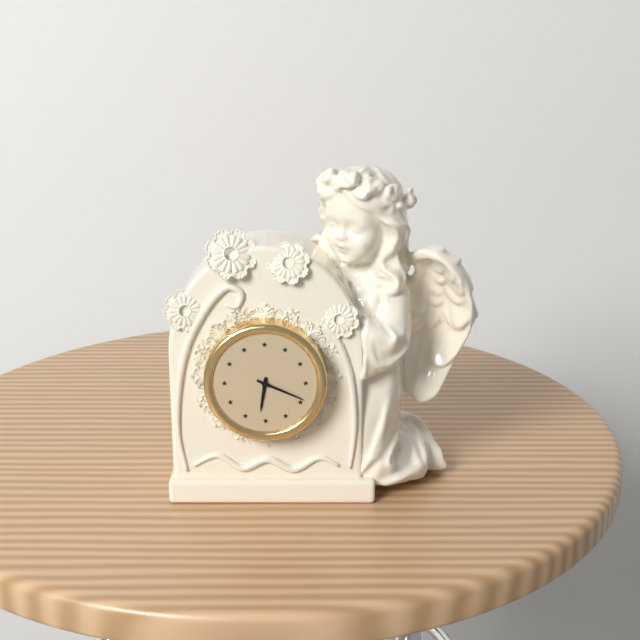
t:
6h19
